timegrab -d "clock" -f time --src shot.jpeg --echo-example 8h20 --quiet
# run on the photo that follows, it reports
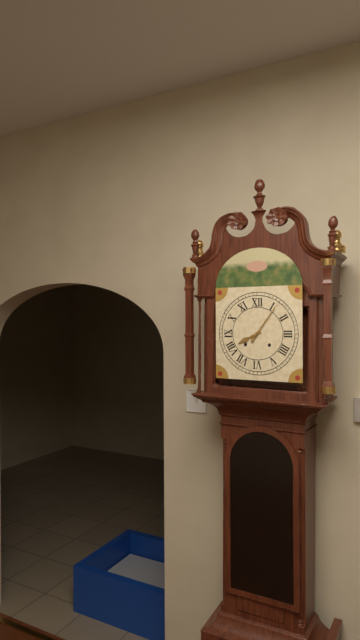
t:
8h06
